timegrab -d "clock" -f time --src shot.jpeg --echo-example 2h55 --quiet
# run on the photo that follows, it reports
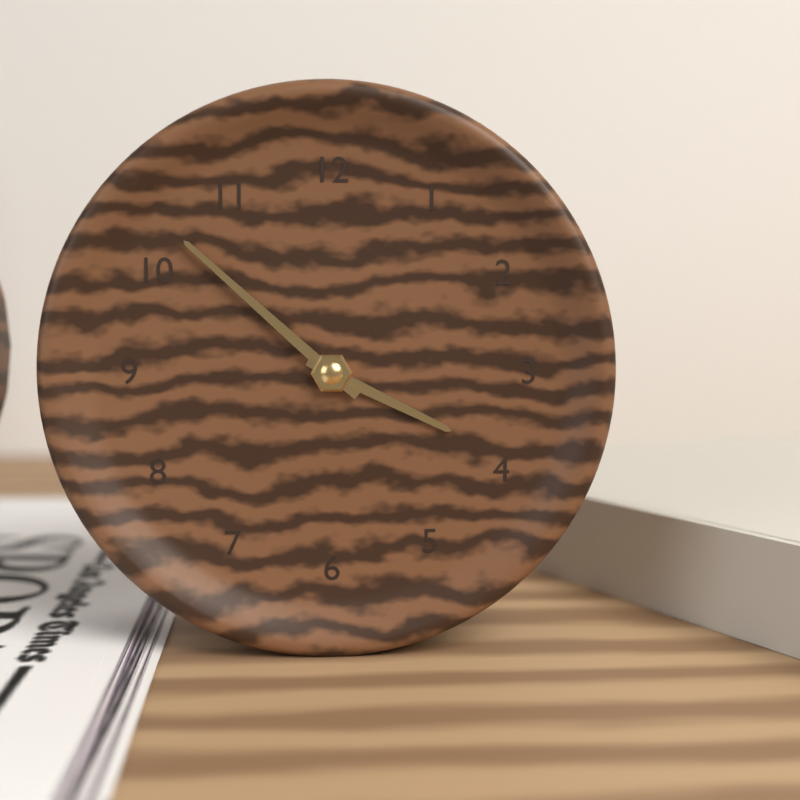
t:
3h52
